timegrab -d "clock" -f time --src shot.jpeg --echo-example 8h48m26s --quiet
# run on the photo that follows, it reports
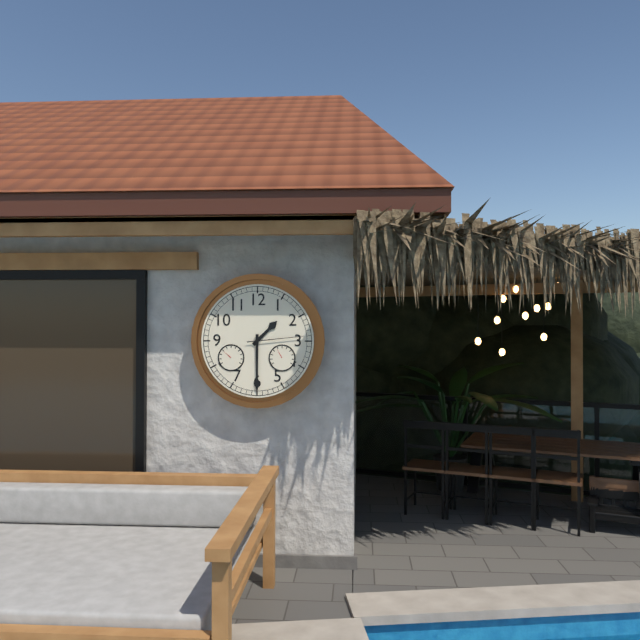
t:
1h30m14s
